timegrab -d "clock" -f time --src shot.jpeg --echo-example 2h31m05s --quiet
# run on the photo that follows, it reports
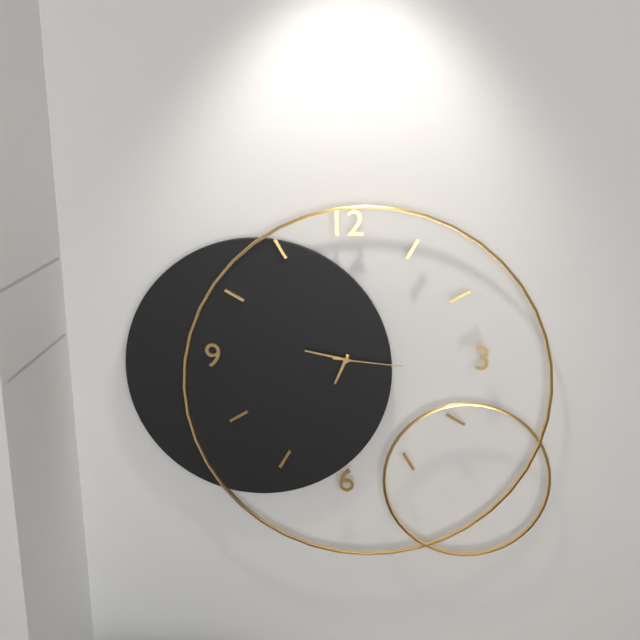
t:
6h47m16s
